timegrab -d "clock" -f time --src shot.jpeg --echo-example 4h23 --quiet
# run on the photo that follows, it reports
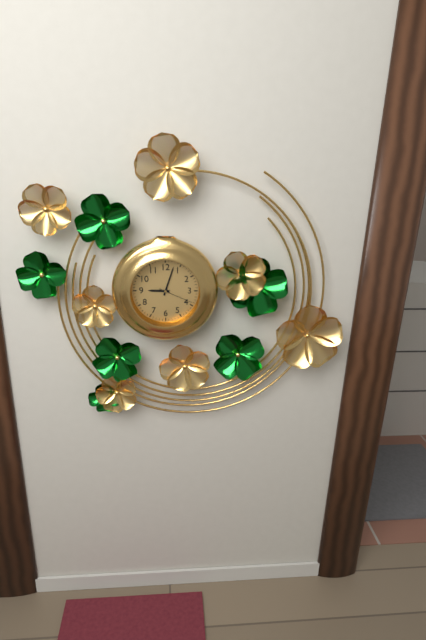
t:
9h03
